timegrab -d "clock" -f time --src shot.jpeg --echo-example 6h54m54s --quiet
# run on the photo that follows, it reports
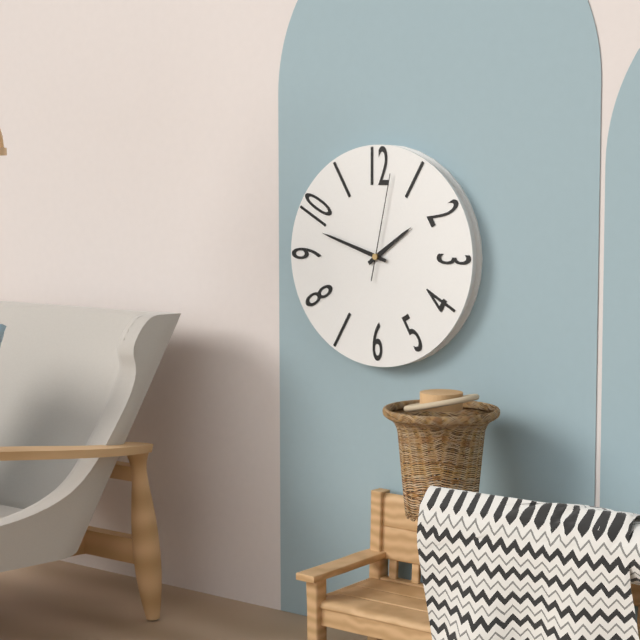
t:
1h48m02s
